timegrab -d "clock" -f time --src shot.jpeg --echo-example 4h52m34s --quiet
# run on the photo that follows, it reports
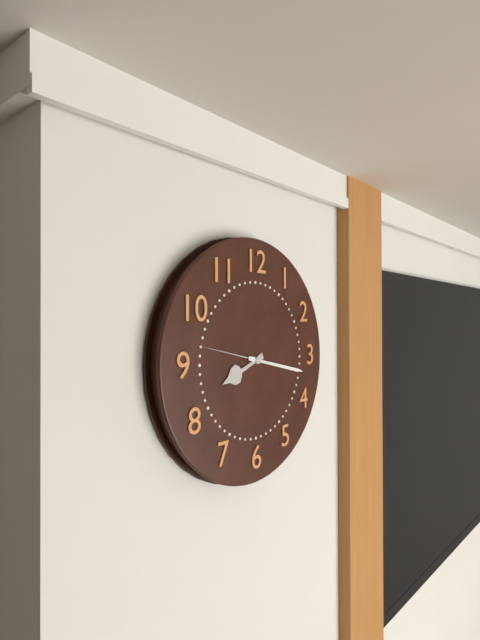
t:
8h17m47s
